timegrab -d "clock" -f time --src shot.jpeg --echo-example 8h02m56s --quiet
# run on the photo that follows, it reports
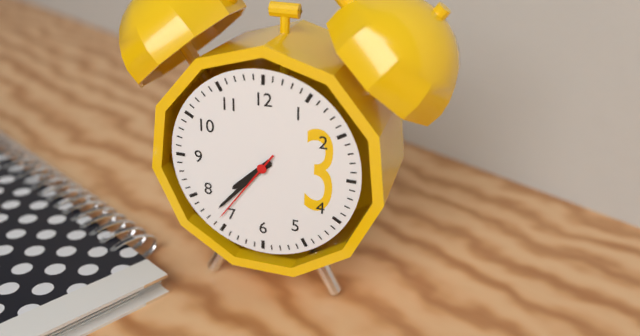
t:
7h37m36s
